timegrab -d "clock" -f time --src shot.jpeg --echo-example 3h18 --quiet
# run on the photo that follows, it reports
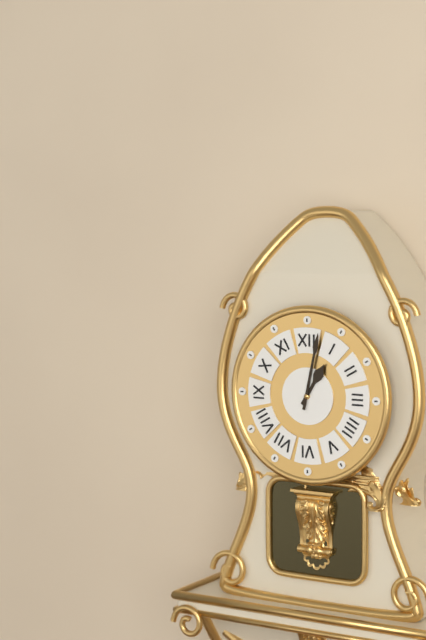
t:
1h02
